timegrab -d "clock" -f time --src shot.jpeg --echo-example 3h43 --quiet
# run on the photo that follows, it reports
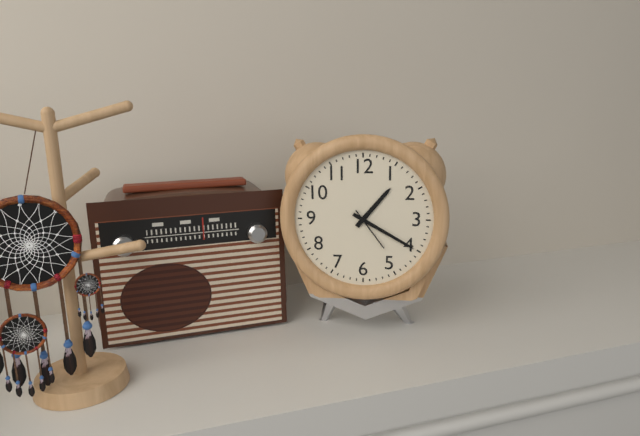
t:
1h20
